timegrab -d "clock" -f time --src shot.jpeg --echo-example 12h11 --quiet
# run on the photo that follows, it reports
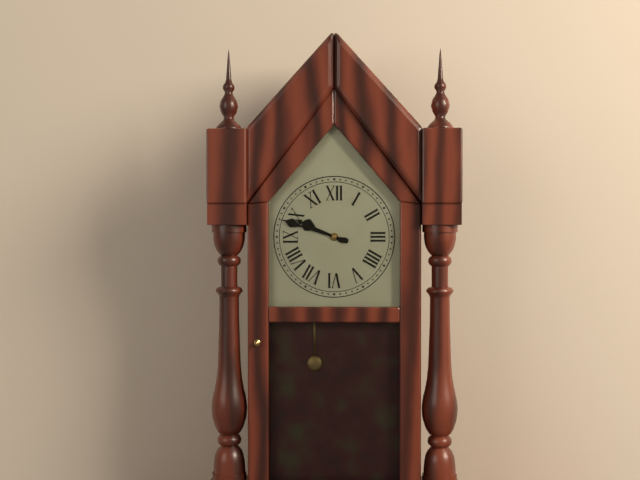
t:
9h48
